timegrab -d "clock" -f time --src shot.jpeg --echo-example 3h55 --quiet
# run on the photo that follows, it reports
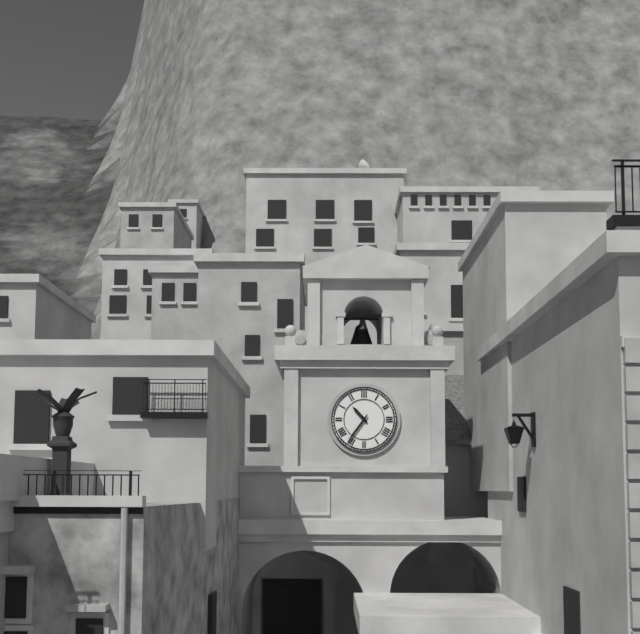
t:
10h36
